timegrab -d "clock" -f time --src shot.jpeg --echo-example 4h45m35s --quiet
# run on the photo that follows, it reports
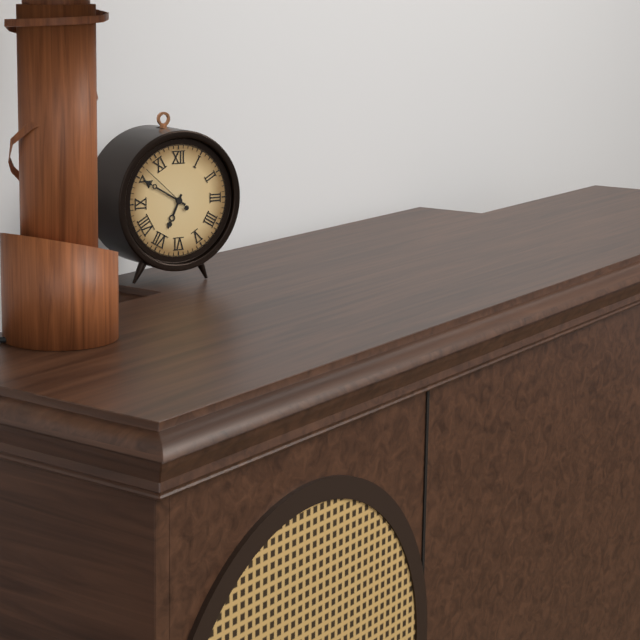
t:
6h50m52s
